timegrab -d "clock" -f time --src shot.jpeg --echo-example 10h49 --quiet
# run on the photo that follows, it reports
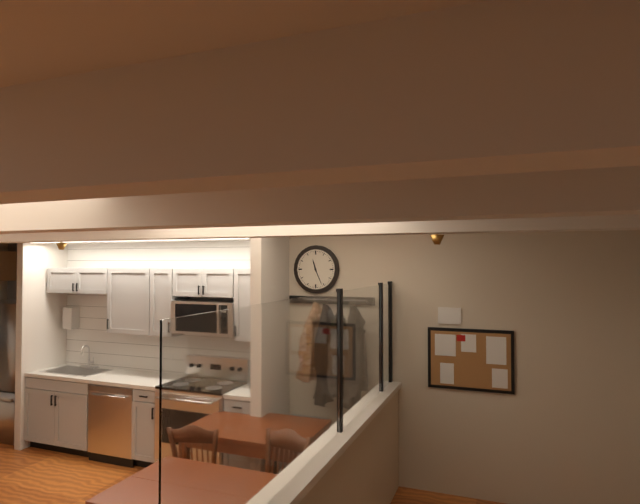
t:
11h26
